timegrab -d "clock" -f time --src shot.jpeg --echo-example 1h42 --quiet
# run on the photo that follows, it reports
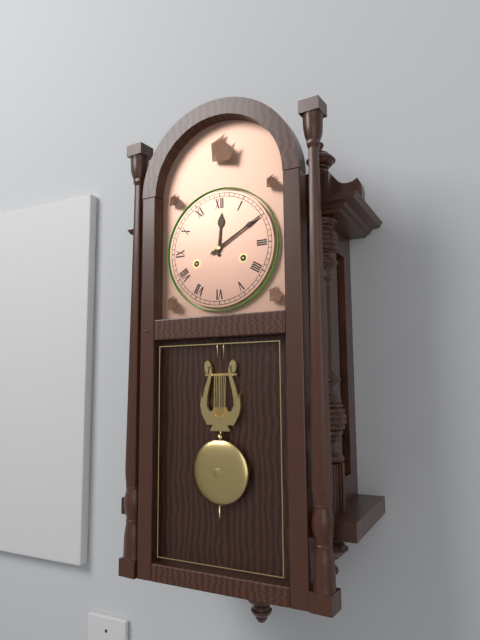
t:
12h10
